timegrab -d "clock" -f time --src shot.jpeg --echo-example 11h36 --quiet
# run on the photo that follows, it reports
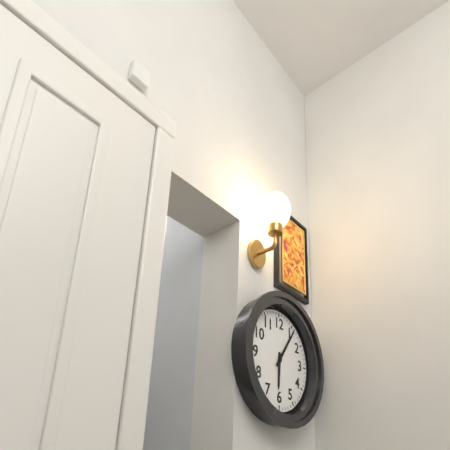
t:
6h06
